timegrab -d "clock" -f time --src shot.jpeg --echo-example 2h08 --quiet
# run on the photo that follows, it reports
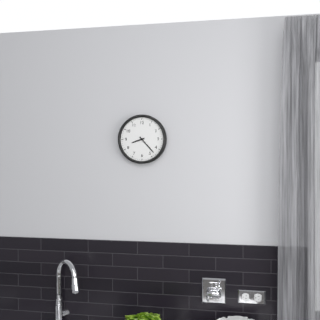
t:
8h23
